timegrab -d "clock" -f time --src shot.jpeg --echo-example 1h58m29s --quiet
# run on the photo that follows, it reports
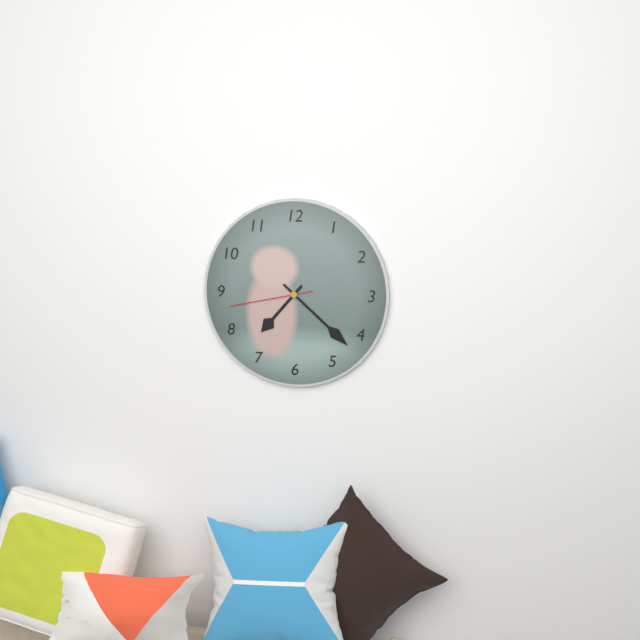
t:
7h22m43s
